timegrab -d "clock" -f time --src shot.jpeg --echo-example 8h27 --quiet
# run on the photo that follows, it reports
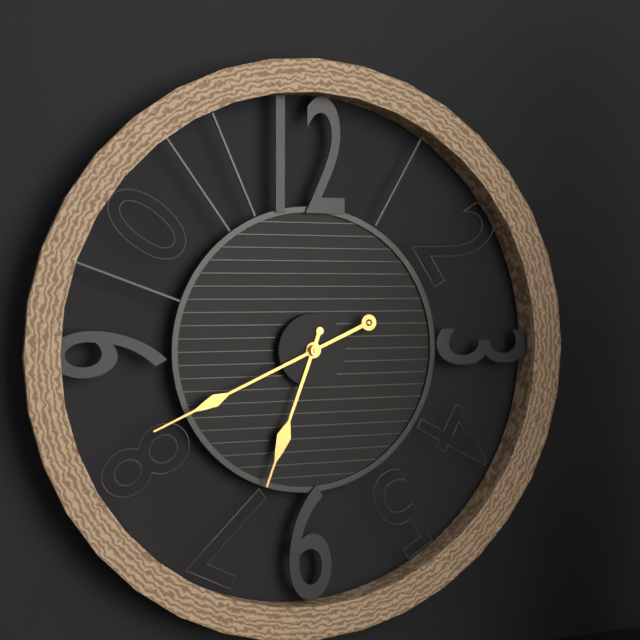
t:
6h41
